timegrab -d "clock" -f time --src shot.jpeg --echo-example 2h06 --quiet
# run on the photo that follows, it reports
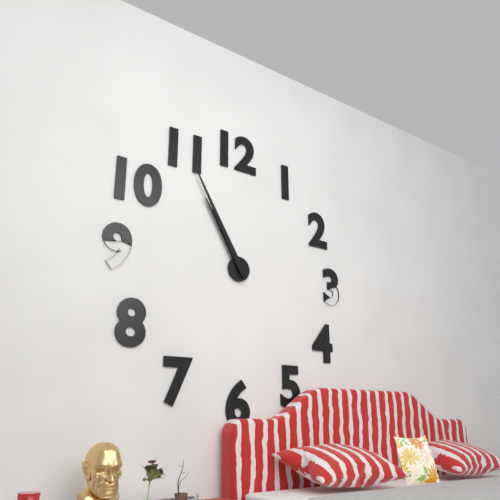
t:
10h55
